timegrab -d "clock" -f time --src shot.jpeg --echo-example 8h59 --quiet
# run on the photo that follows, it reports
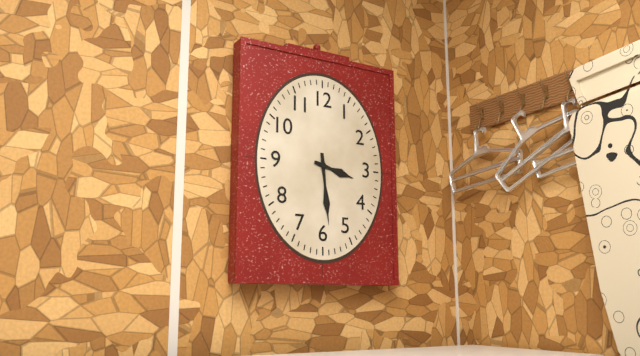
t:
3h29
